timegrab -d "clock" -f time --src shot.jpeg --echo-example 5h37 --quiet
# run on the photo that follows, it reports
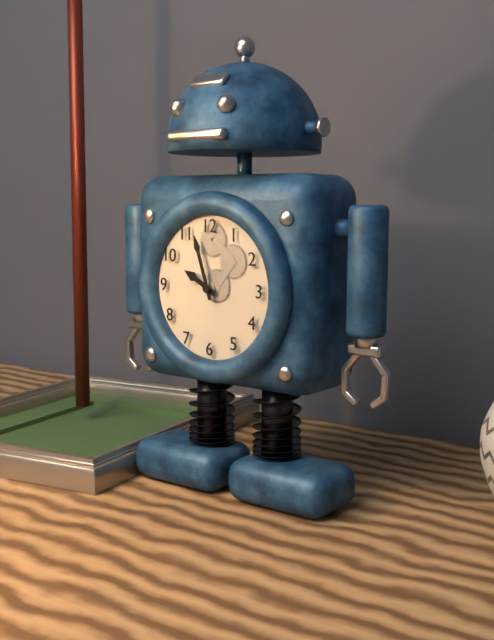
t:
9h57
